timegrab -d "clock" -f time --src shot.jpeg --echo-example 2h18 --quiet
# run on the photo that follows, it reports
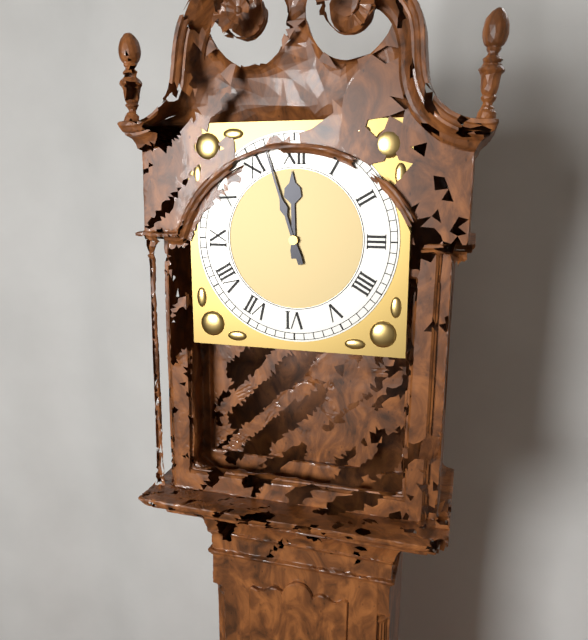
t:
11h57
